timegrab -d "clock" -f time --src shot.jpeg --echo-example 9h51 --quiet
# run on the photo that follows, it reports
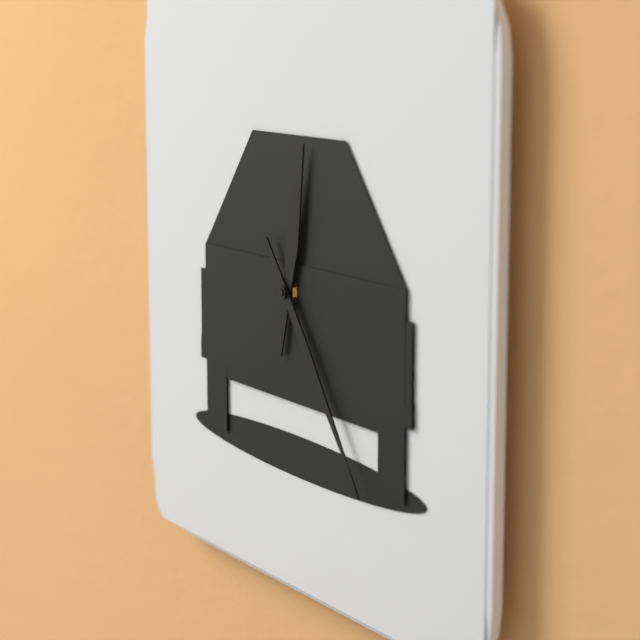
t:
12h24
